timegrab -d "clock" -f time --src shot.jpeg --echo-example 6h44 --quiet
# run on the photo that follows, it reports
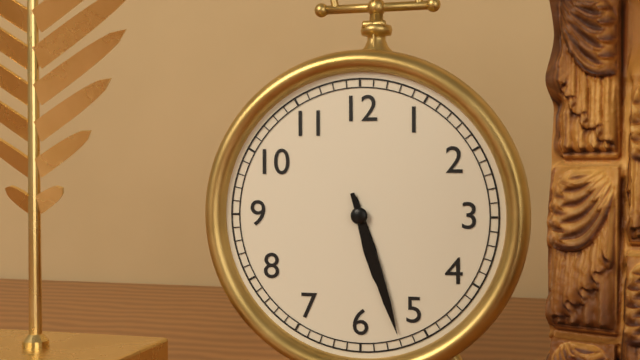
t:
5h27
